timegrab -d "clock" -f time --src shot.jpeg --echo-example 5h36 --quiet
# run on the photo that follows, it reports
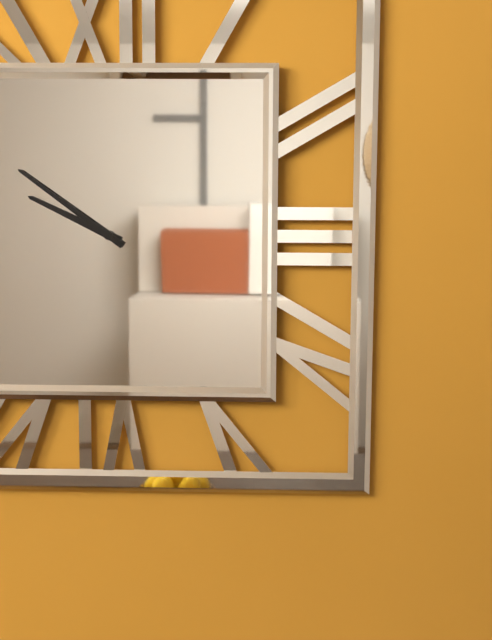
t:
9h51
